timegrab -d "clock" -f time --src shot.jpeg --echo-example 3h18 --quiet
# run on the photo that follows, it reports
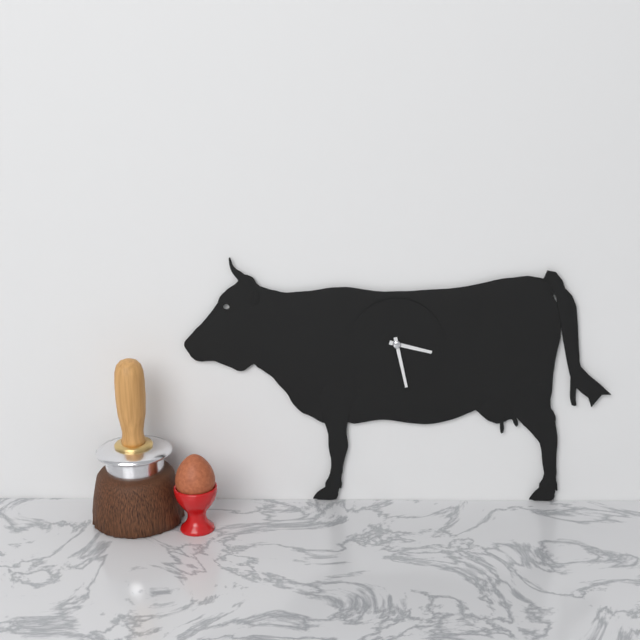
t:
3h28
